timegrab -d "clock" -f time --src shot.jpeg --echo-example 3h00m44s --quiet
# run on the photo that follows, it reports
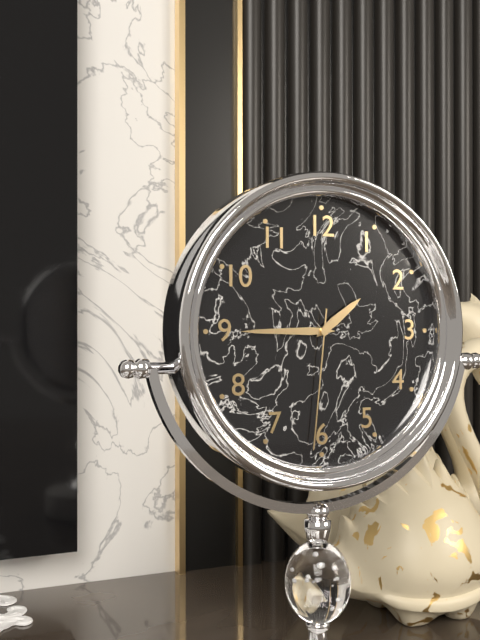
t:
1h45m31s
